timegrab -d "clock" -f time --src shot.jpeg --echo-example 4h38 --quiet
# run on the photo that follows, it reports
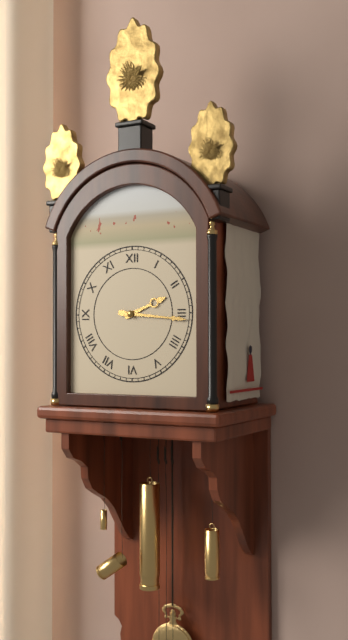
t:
2h16
